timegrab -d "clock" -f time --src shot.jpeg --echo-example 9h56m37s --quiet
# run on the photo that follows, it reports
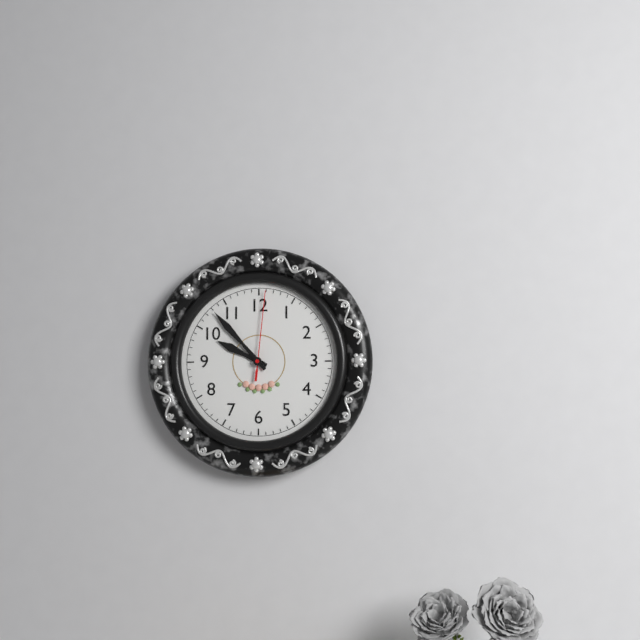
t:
9h53m01s
